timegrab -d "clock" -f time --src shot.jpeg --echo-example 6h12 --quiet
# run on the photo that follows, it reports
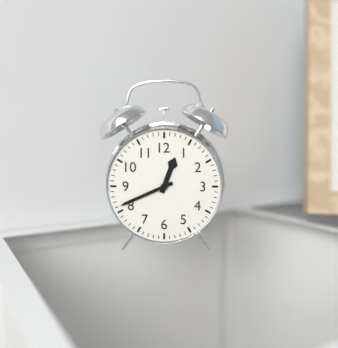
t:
12h41
